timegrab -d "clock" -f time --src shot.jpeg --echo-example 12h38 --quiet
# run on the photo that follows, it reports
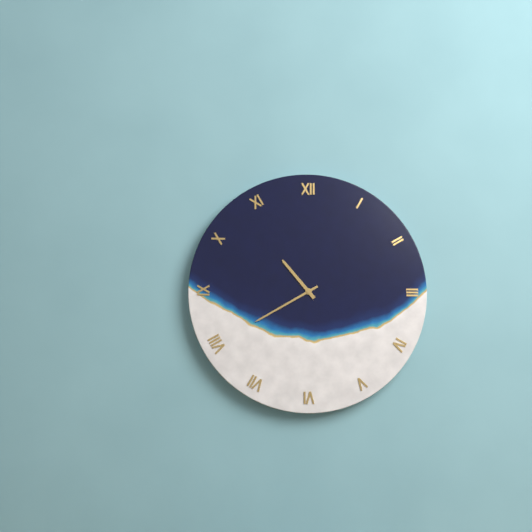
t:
10h40
